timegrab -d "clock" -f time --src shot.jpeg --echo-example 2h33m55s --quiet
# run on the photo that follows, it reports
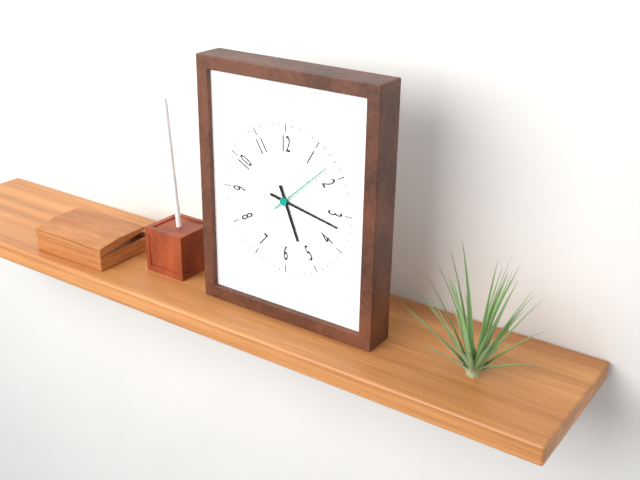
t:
5h17m08s
